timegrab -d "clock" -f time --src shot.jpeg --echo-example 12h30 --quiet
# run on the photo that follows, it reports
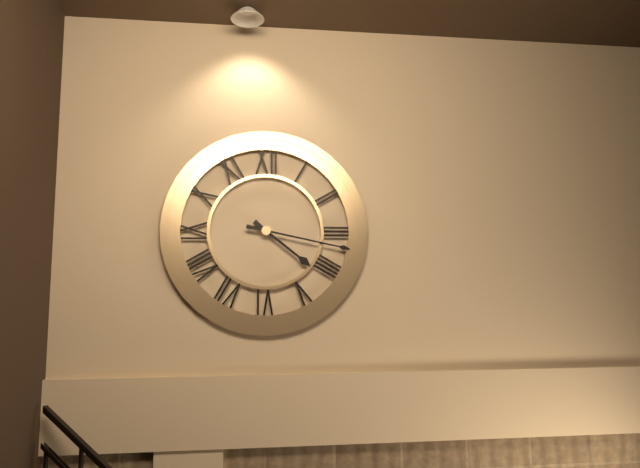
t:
4h17
